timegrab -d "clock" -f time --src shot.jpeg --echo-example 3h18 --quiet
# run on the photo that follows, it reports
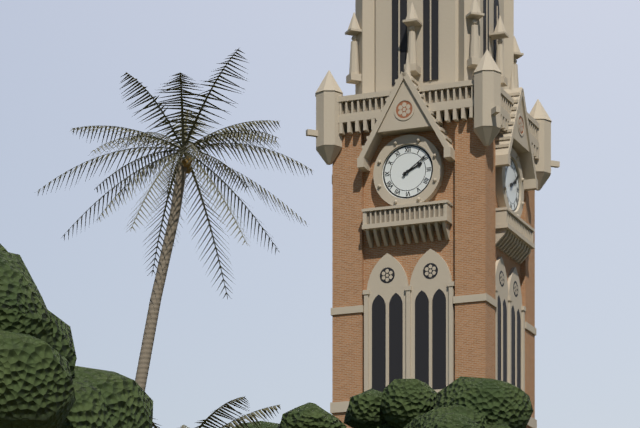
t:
2h09
